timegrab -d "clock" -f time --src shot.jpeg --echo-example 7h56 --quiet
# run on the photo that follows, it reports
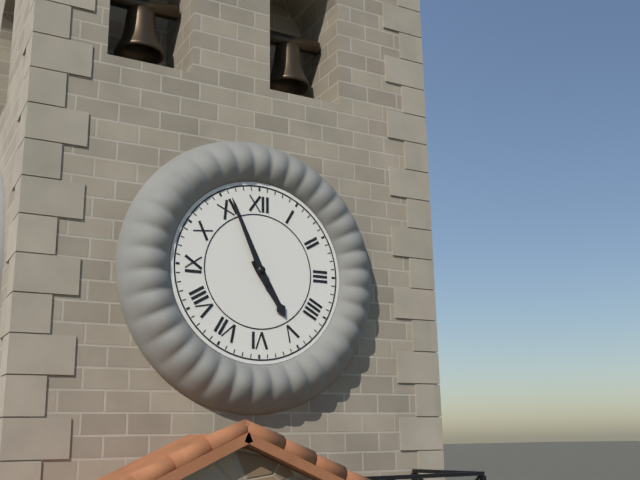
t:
4h56
